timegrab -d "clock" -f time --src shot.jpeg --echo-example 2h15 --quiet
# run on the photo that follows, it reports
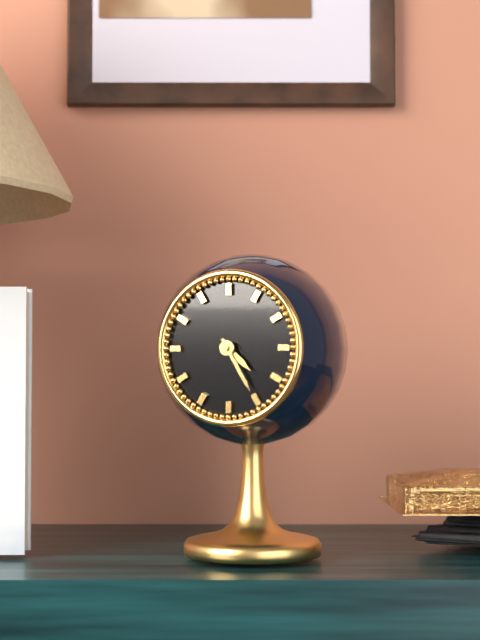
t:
4h25
